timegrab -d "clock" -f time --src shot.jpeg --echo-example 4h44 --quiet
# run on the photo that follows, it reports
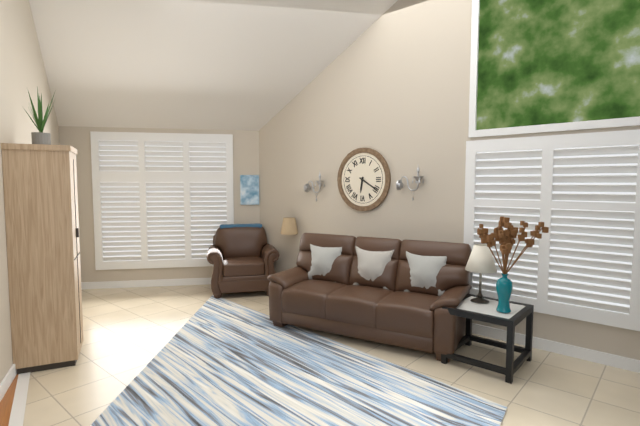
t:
6h20
